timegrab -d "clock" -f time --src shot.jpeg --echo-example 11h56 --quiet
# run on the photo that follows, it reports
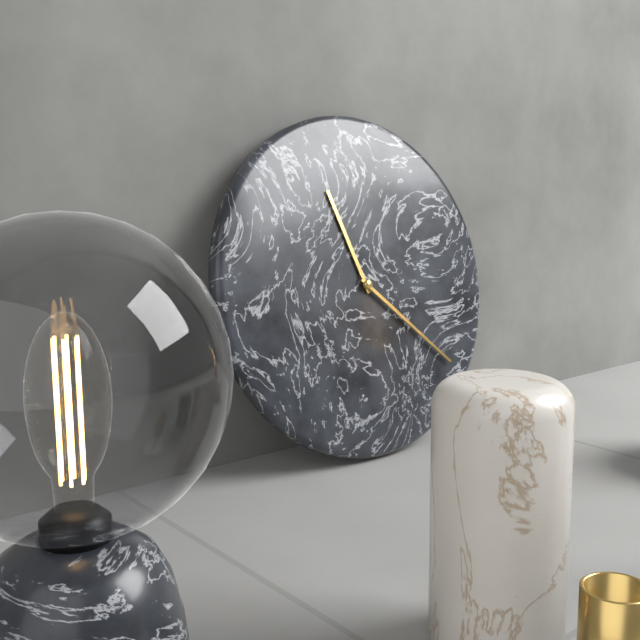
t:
11h22
